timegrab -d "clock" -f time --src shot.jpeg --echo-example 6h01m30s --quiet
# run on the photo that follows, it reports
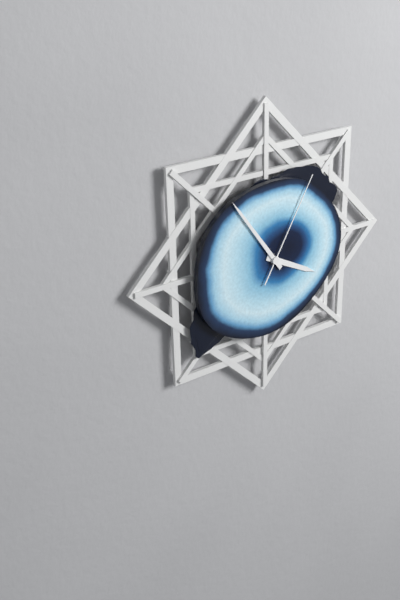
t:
3h54m05s
